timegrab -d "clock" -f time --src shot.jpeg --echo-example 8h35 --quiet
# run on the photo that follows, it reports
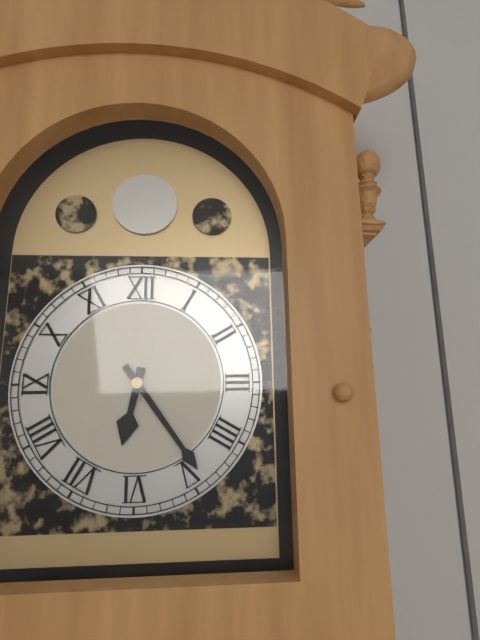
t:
6h24
